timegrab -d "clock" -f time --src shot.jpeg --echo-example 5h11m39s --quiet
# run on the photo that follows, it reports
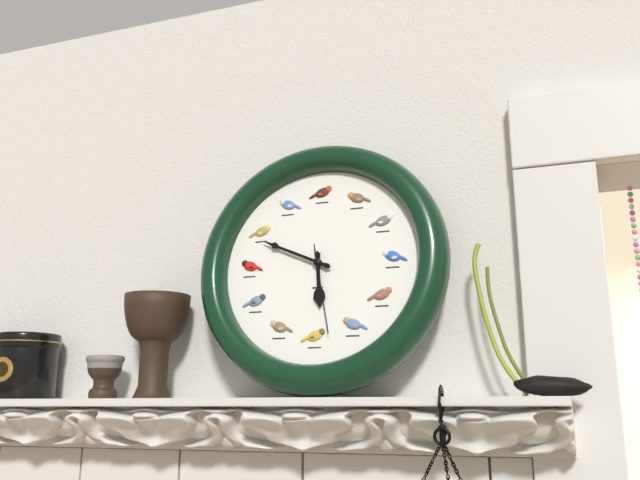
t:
5h49m28s
